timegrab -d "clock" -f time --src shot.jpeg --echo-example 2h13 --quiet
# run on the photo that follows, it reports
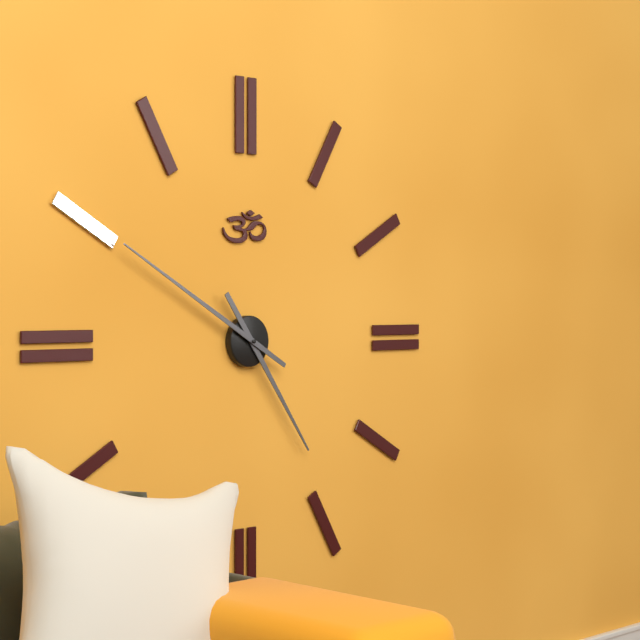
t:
4h50
